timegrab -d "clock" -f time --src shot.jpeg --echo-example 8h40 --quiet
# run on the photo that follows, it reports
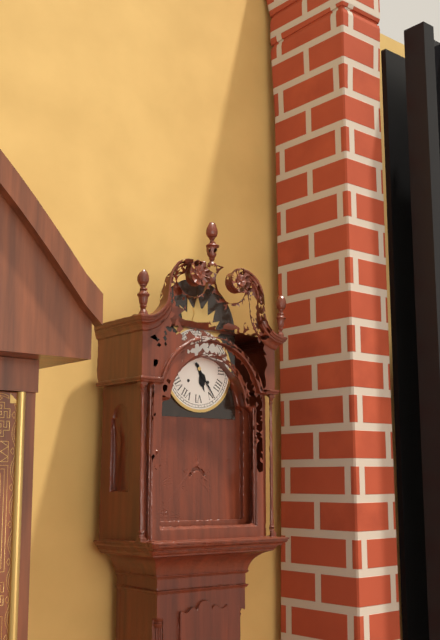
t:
5h24
